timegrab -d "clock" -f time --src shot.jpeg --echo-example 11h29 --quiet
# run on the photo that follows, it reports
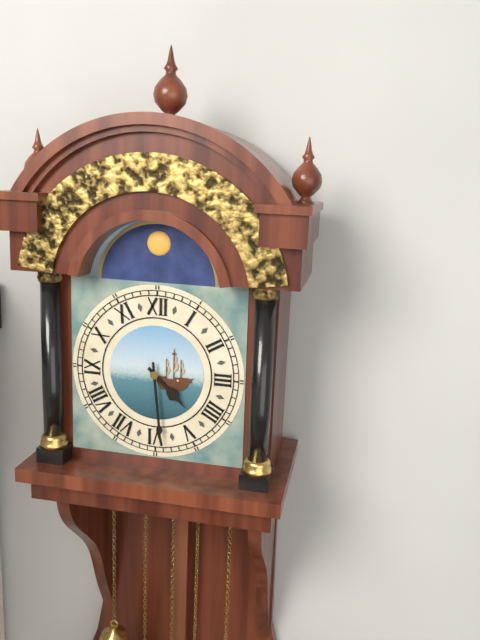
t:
4h29
